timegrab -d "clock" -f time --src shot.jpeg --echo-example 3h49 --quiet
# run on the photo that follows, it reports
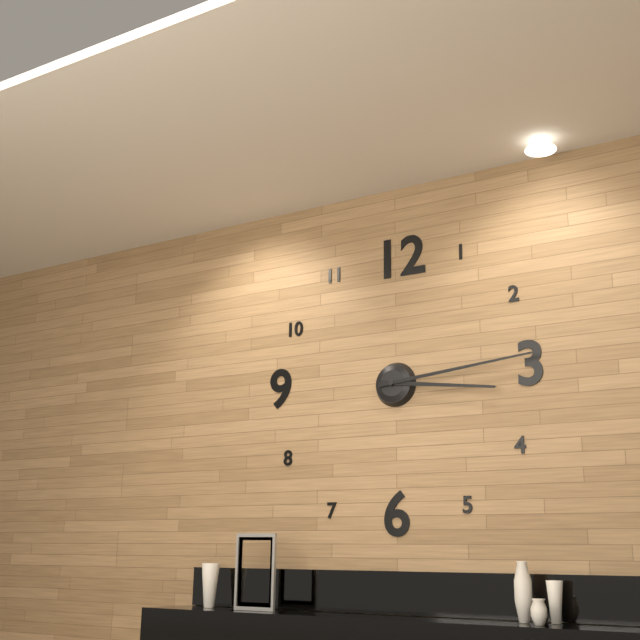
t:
3h14
